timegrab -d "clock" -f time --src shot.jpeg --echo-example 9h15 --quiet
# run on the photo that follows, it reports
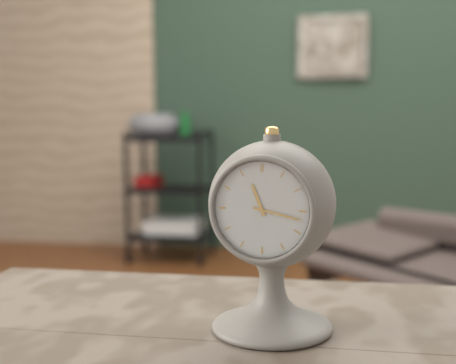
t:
11h17
